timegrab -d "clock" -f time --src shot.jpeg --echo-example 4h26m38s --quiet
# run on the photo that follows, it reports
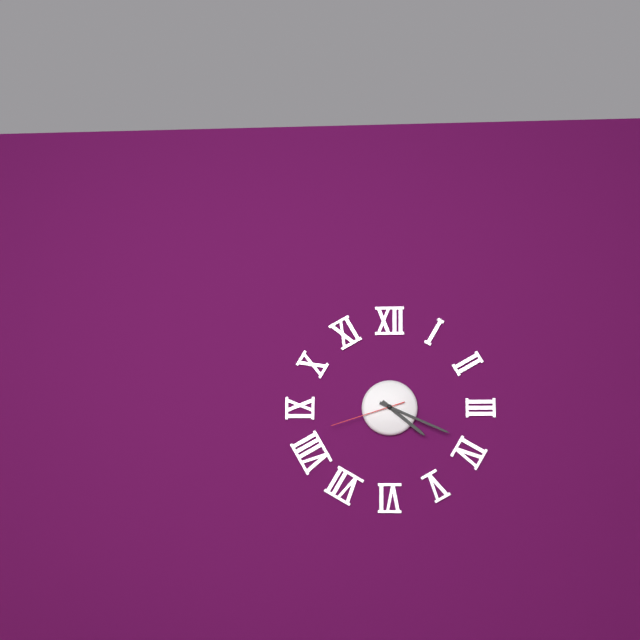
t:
4h19m42s
